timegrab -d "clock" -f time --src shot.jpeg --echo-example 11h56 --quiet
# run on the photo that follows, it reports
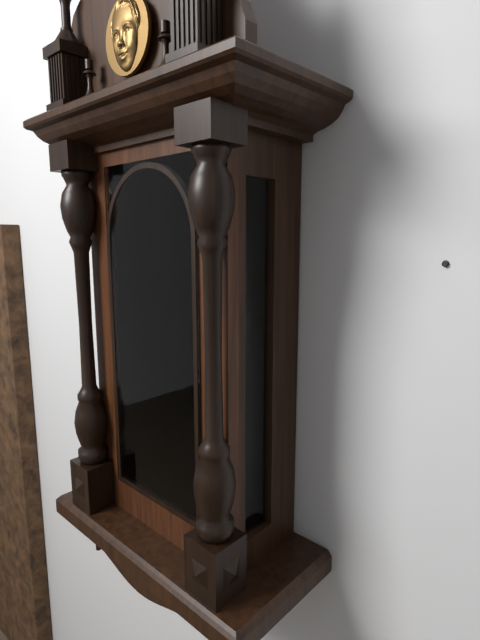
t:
4h33
